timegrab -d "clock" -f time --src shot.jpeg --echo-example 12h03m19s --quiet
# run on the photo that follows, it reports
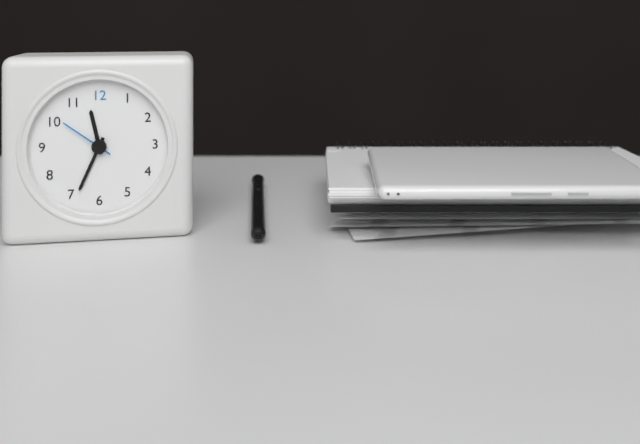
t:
11h34m51s
